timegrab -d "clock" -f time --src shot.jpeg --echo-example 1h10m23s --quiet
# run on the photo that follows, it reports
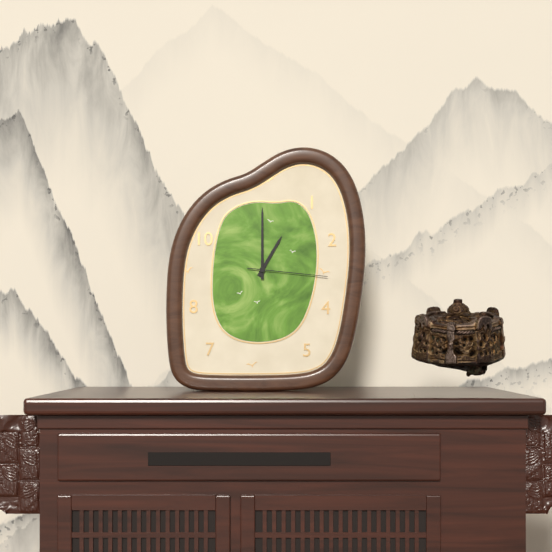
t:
1h00m16s
